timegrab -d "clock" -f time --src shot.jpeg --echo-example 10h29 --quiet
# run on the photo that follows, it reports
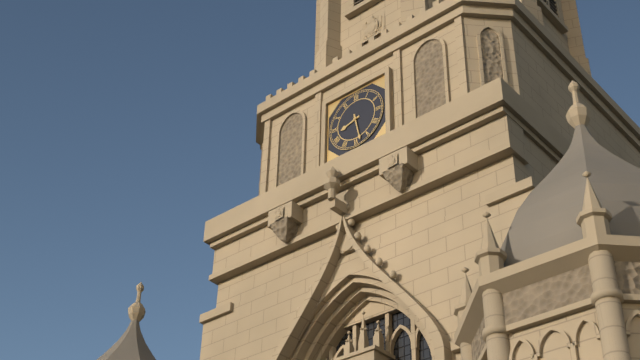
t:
8h28
